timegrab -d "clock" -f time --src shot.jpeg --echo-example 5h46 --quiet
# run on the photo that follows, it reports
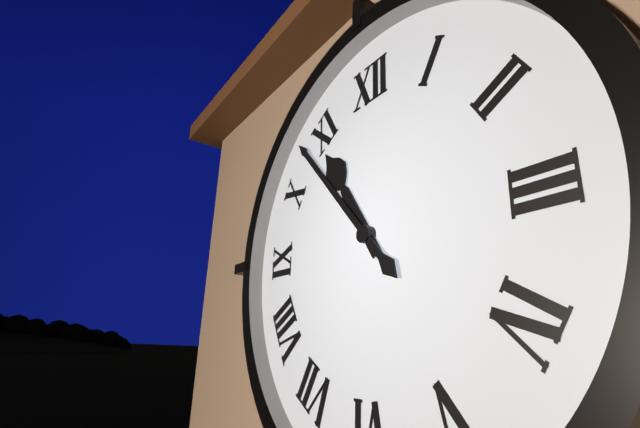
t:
10h53
